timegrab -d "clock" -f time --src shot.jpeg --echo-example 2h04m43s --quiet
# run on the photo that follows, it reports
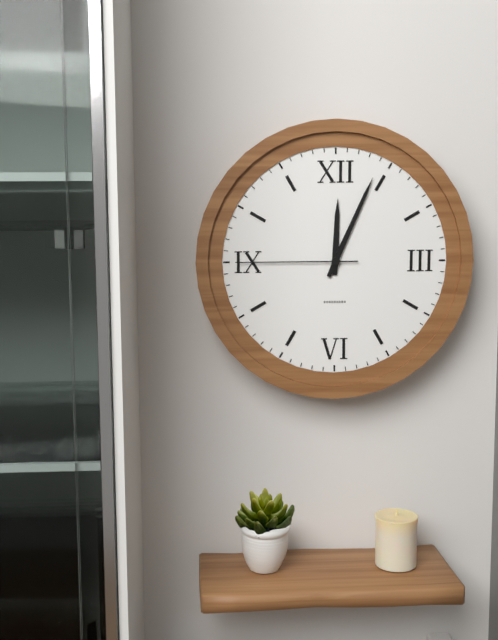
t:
12h04m45s
